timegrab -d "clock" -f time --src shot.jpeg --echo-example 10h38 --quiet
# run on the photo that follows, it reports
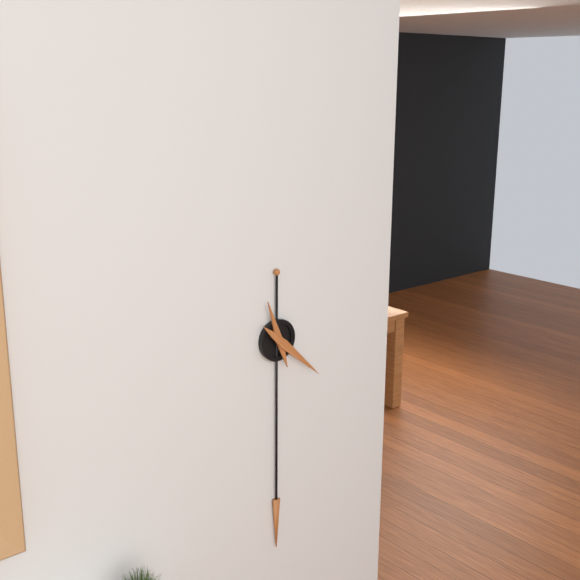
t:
11h22
